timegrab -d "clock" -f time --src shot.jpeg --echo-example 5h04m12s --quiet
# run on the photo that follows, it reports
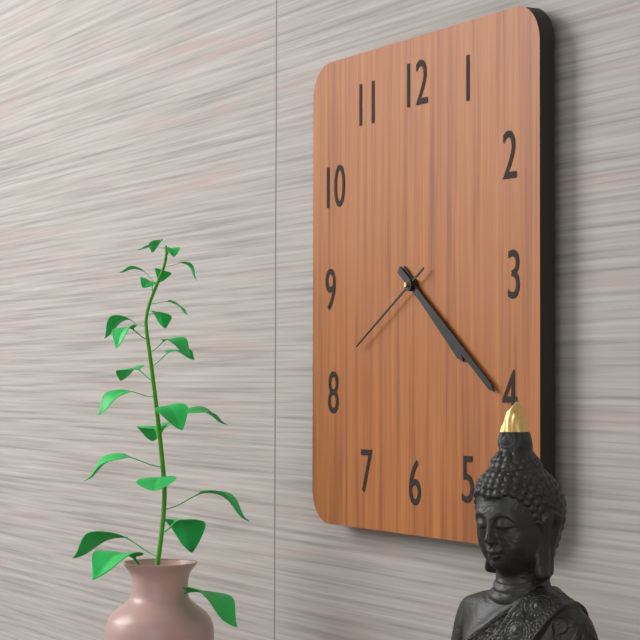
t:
4h21m40s
